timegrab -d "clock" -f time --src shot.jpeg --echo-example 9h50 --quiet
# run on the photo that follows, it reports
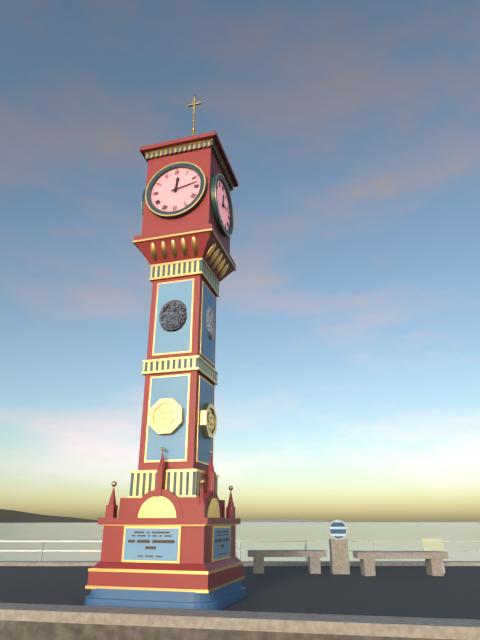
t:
12h13
